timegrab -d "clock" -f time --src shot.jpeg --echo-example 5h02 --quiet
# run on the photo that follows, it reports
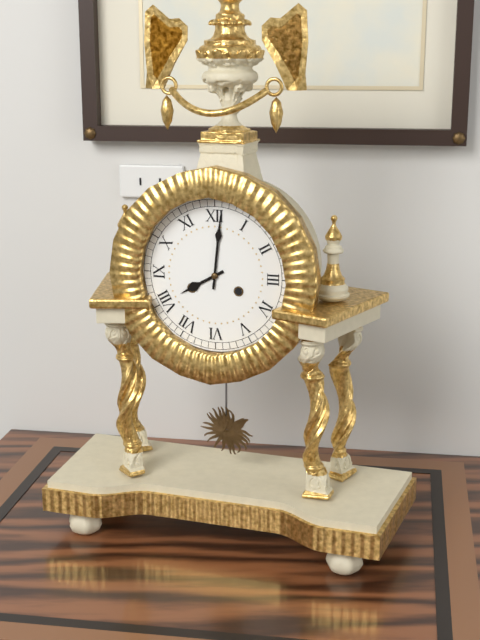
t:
8h01
